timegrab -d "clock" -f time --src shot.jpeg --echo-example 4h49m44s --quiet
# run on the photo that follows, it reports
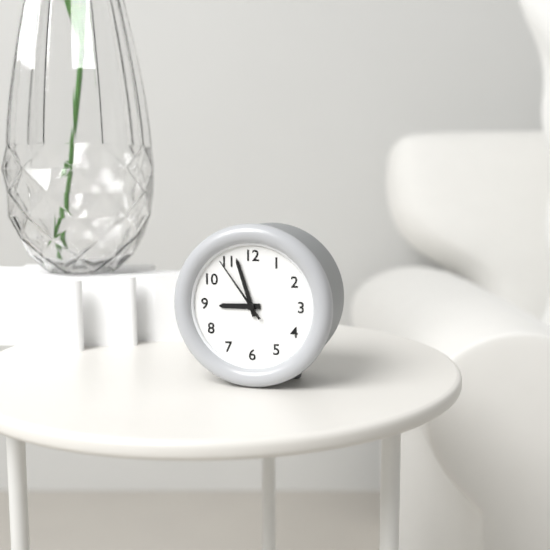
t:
8h57m54s
